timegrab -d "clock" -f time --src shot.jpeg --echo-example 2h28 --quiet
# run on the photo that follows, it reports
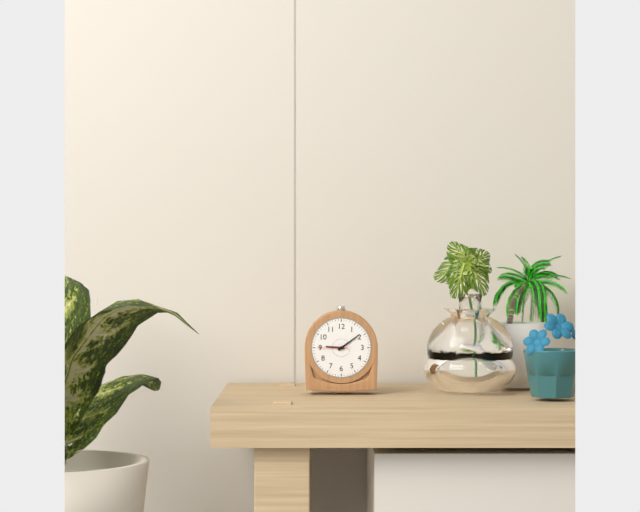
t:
9h09
